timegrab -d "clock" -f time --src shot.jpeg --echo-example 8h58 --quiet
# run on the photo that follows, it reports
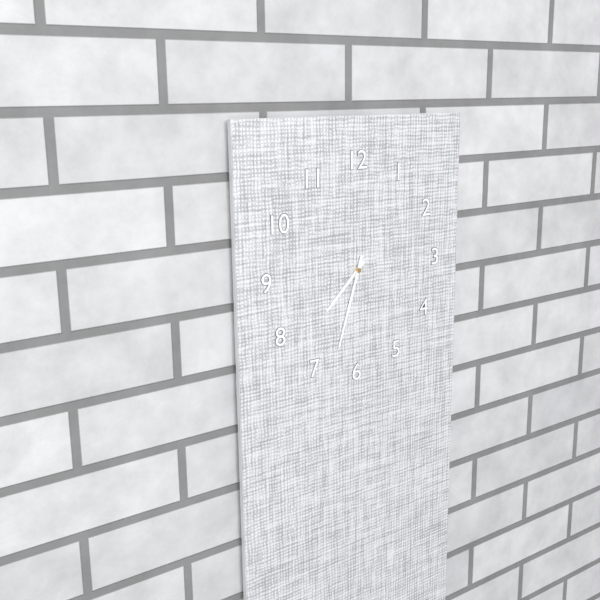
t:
7h33
